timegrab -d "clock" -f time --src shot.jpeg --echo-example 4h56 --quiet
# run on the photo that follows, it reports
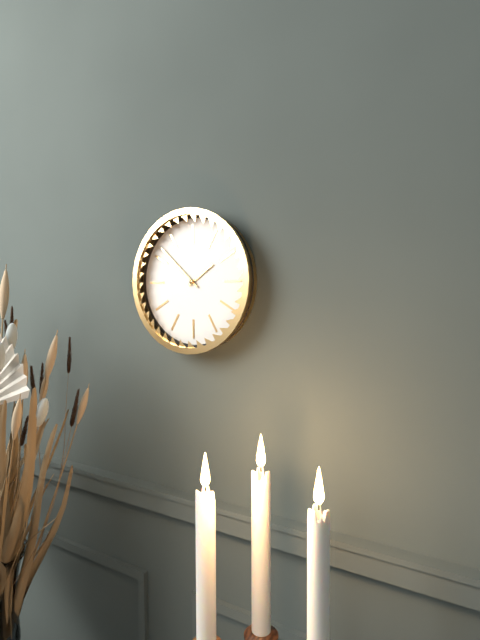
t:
1h52
